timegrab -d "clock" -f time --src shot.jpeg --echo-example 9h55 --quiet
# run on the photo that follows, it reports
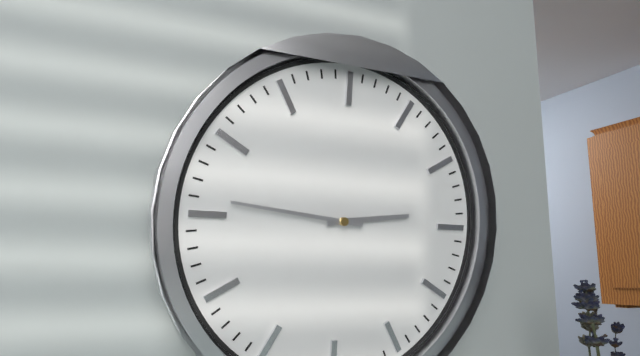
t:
2h46
